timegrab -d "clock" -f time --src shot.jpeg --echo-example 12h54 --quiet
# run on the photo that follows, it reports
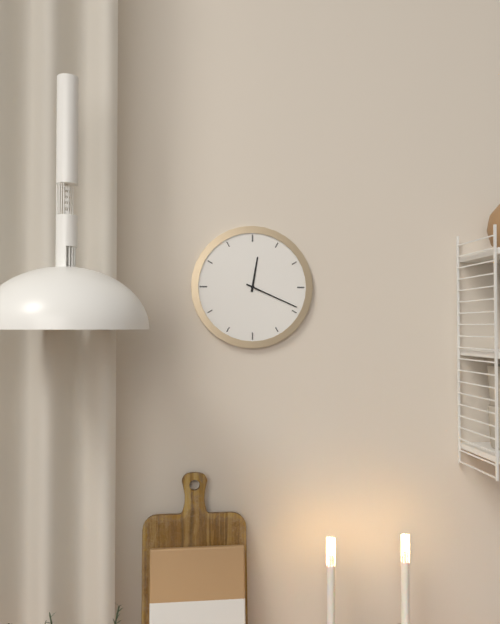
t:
12h19
